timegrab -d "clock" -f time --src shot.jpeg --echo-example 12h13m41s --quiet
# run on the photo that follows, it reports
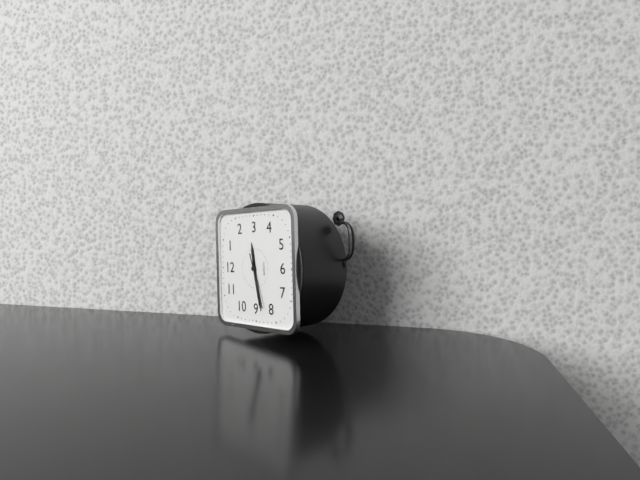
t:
2h43m42s
